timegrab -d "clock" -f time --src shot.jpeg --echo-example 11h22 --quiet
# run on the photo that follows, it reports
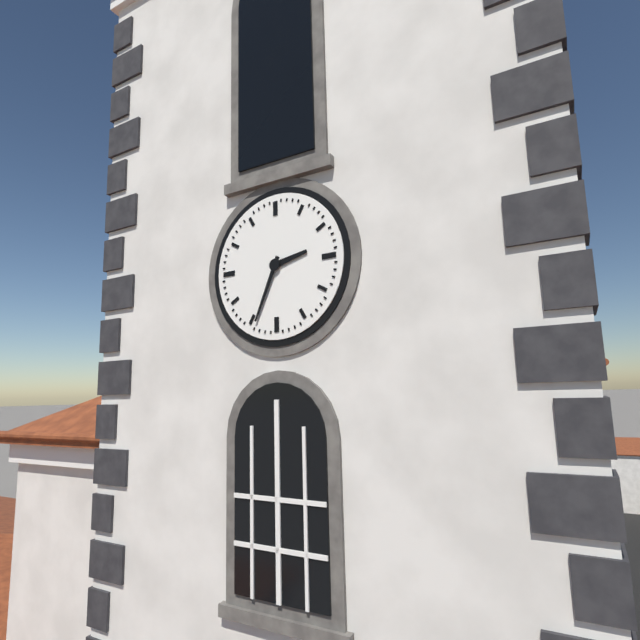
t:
2h34
